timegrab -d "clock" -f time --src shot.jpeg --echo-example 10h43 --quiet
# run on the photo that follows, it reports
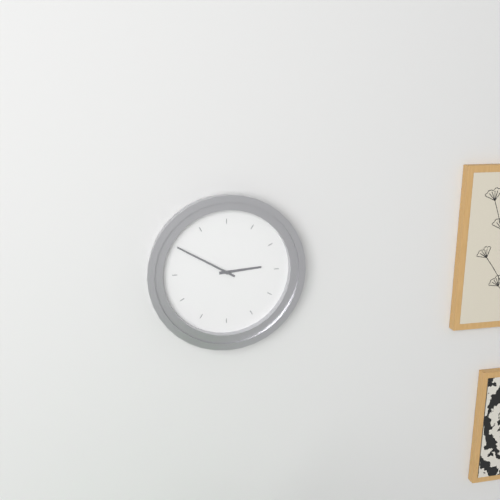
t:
2h50
